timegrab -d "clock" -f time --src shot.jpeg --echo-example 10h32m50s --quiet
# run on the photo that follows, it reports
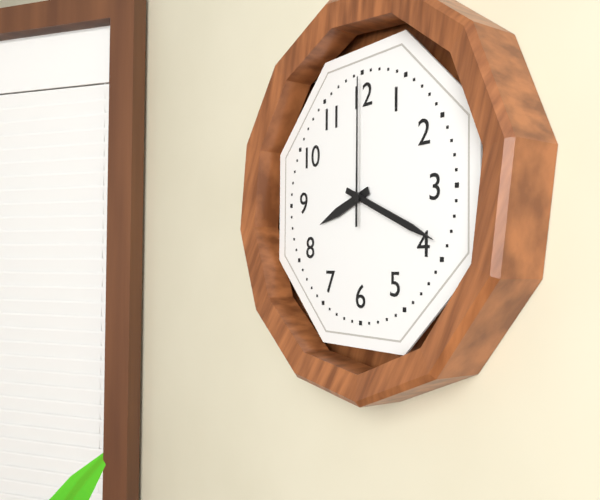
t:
8h19m00s
